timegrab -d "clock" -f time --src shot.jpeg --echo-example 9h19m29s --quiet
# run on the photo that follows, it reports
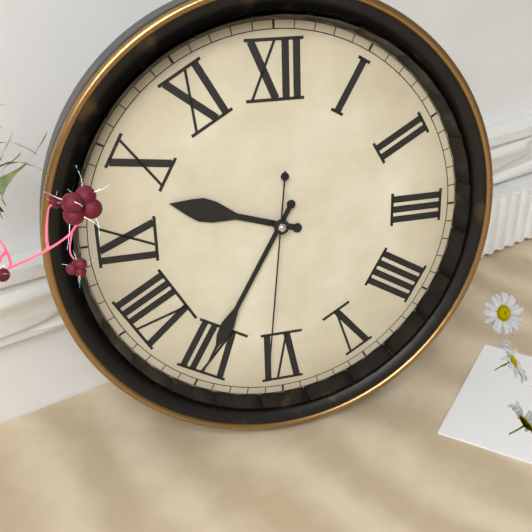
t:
9h35m31s
